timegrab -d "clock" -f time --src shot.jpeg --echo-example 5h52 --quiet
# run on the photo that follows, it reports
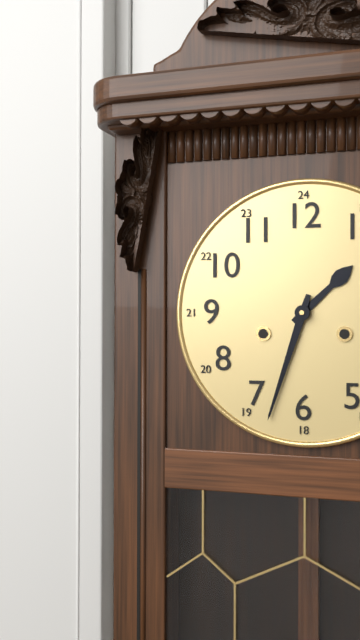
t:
1h33
